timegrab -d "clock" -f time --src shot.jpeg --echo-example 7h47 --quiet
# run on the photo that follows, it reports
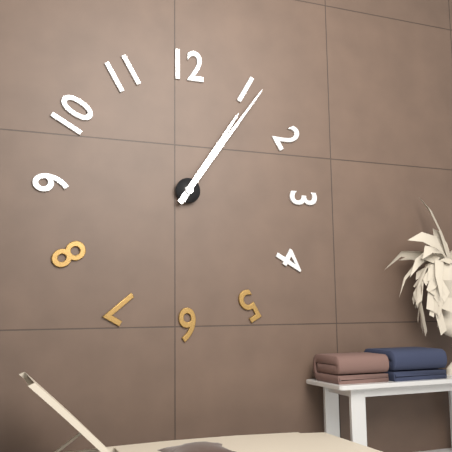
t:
1h06
